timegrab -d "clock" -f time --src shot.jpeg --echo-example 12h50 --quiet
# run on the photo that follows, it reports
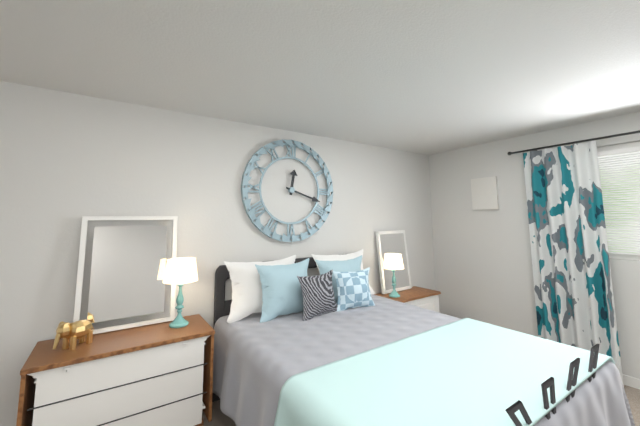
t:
12h18
